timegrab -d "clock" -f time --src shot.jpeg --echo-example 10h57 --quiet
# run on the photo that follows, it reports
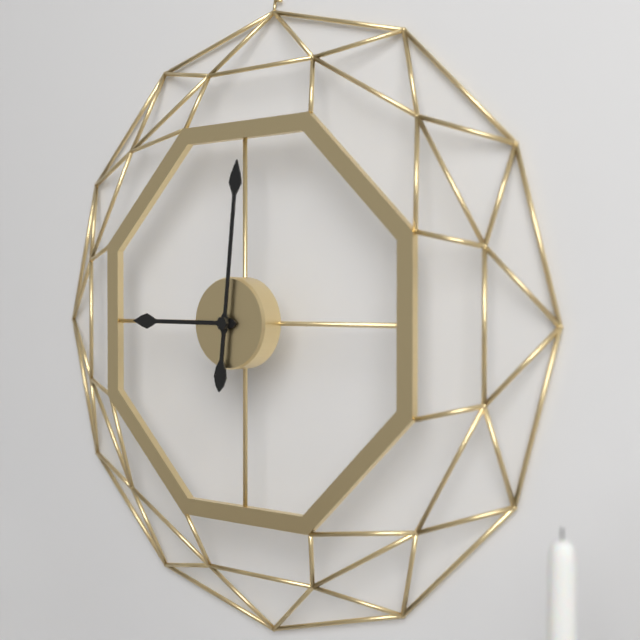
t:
9h01
